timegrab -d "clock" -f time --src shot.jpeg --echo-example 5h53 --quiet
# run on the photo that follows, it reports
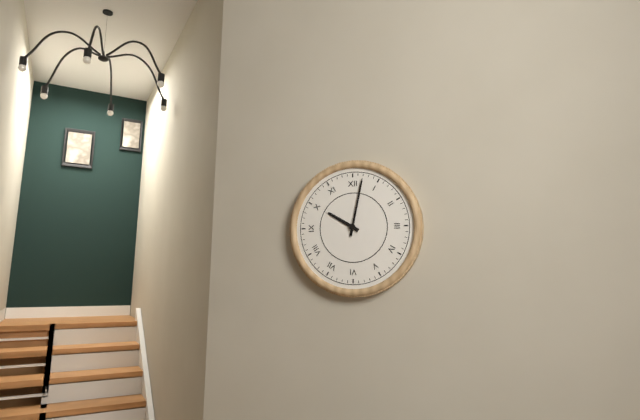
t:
10h02
